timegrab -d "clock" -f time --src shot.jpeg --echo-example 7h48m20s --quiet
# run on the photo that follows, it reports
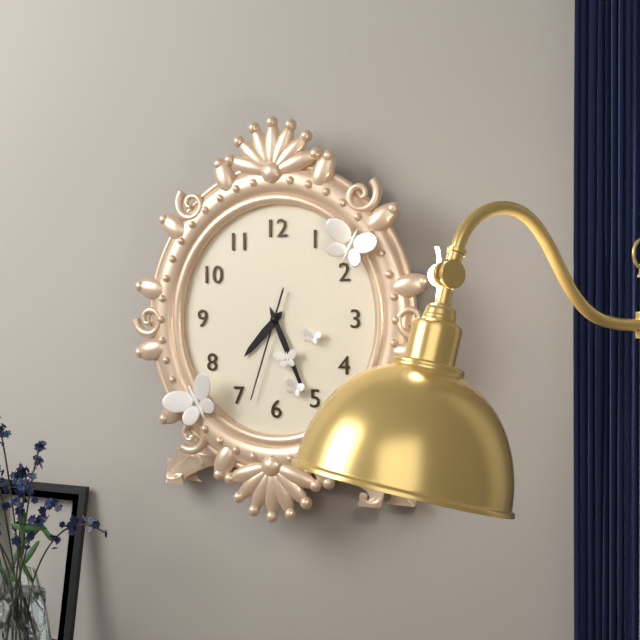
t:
7h26m33s
